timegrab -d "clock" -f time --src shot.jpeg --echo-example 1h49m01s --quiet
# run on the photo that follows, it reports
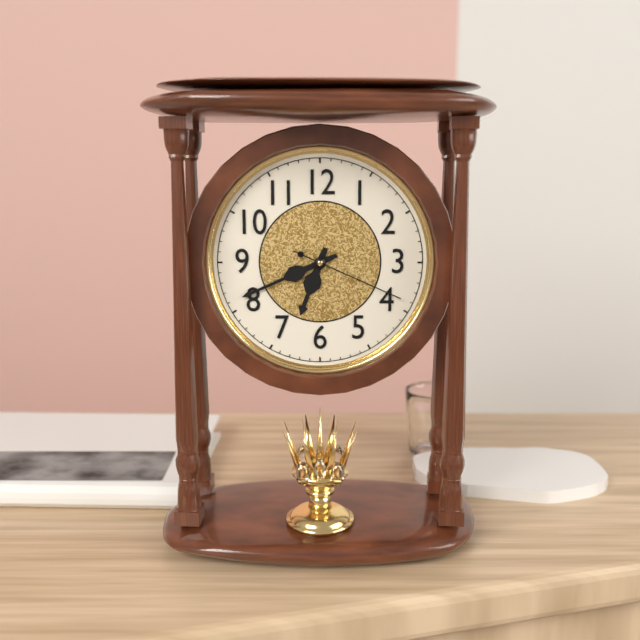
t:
6h41m19s
